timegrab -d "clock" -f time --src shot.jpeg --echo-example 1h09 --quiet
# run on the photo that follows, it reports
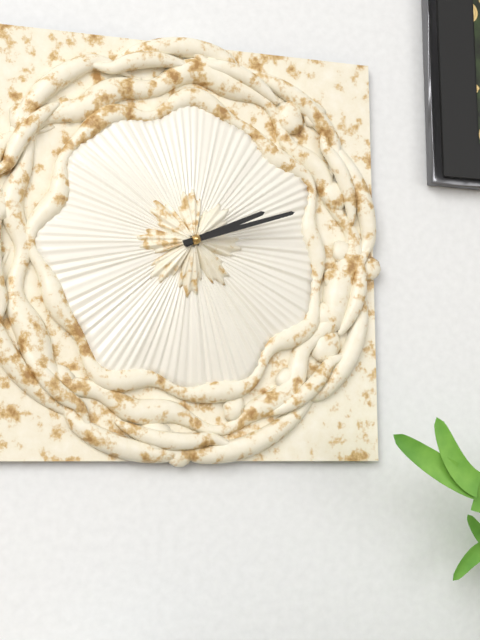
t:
2h12
